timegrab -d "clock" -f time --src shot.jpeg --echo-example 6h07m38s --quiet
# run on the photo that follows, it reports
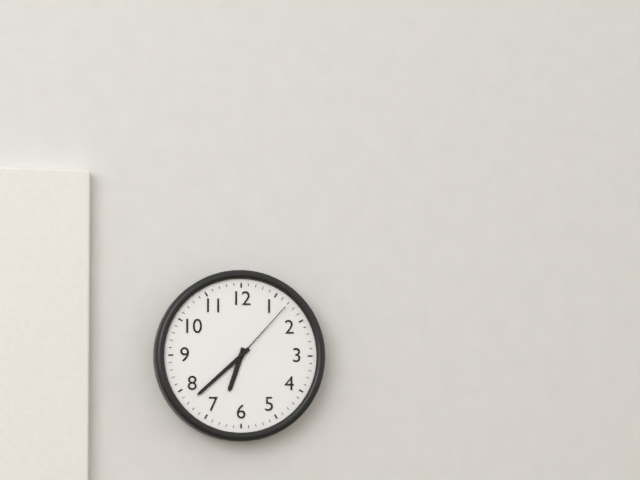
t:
6h38m07s
